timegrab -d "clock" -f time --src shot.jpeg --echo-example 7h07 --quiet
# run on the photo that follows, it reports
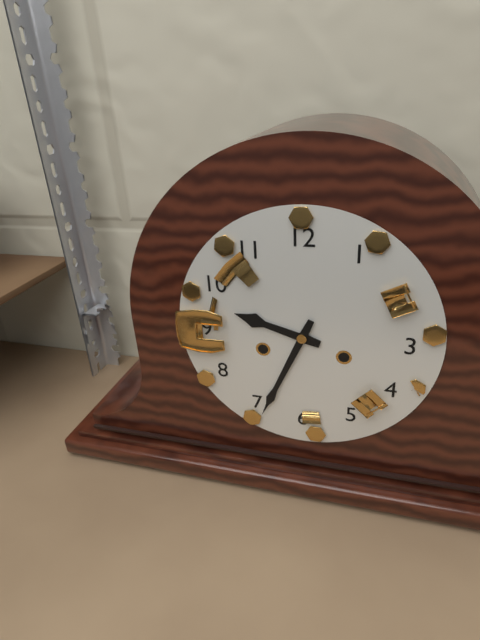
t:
9h34
